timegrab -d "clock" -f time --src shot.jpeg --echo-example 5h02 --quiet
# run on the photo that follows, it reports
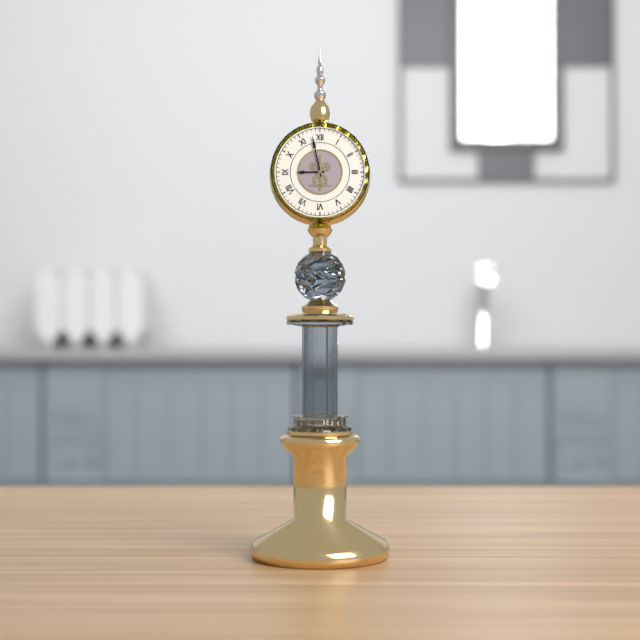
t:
8h58
